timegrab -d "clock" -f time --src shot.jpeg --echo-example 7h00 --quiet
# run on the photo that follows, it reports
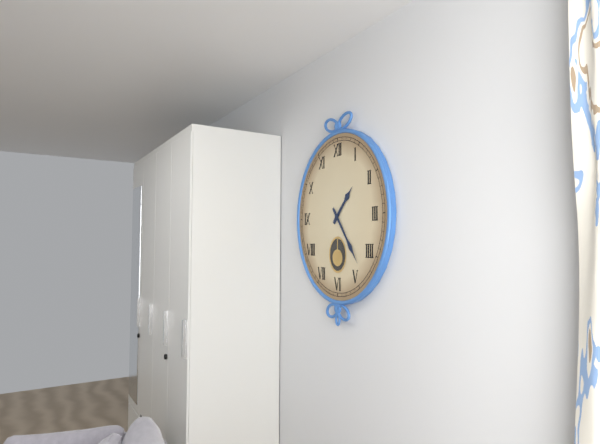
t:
1h24
